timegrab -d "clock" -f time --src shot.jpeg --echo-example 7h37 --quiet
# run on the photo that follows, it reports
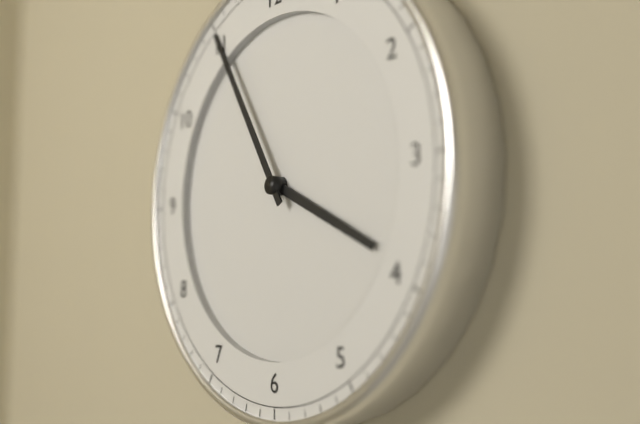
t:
3h55
